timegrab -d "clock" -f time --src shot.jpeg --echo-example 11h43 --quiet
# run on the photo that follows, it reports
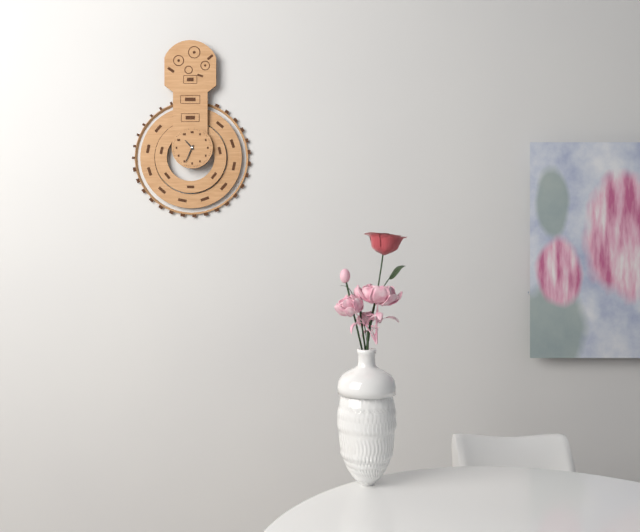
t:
10h34
